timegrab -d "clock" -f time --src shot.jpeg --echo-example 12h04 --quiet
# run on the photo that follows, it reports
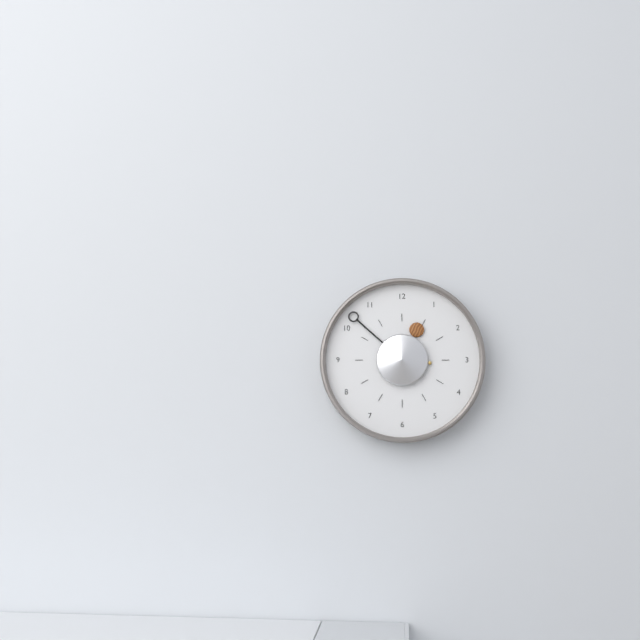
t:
12h52
